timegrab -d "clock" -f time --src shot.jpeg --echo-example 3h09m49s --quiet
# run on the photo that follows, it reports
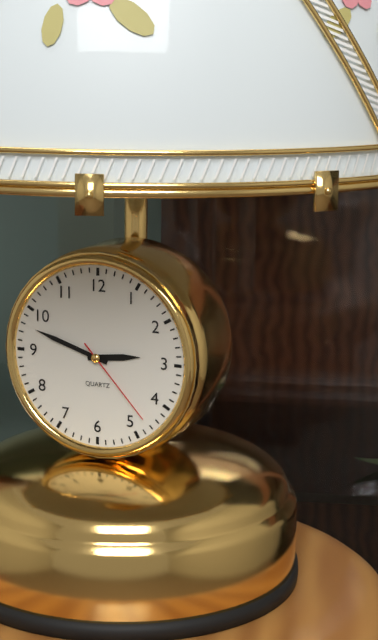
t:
2h48m23s
